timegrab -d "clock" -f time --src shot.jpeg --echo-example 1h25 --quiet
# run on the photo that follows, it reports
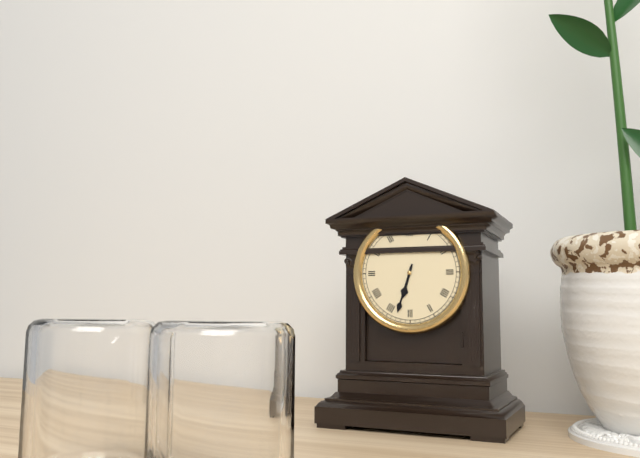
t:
6h33
